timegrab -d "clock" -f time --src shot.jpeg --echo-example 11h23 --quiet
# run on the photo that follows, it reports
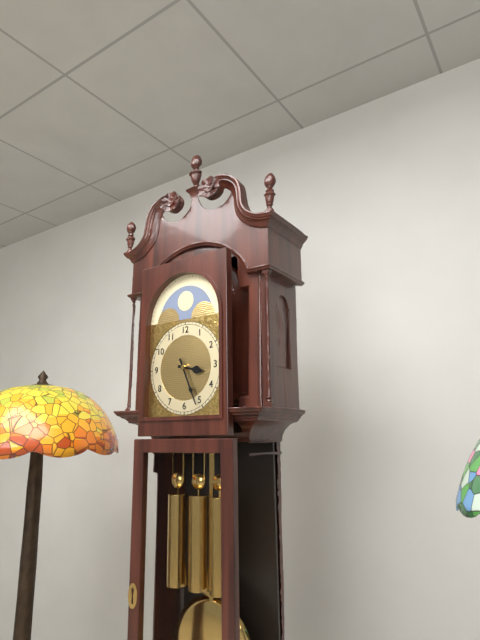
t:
3h26
